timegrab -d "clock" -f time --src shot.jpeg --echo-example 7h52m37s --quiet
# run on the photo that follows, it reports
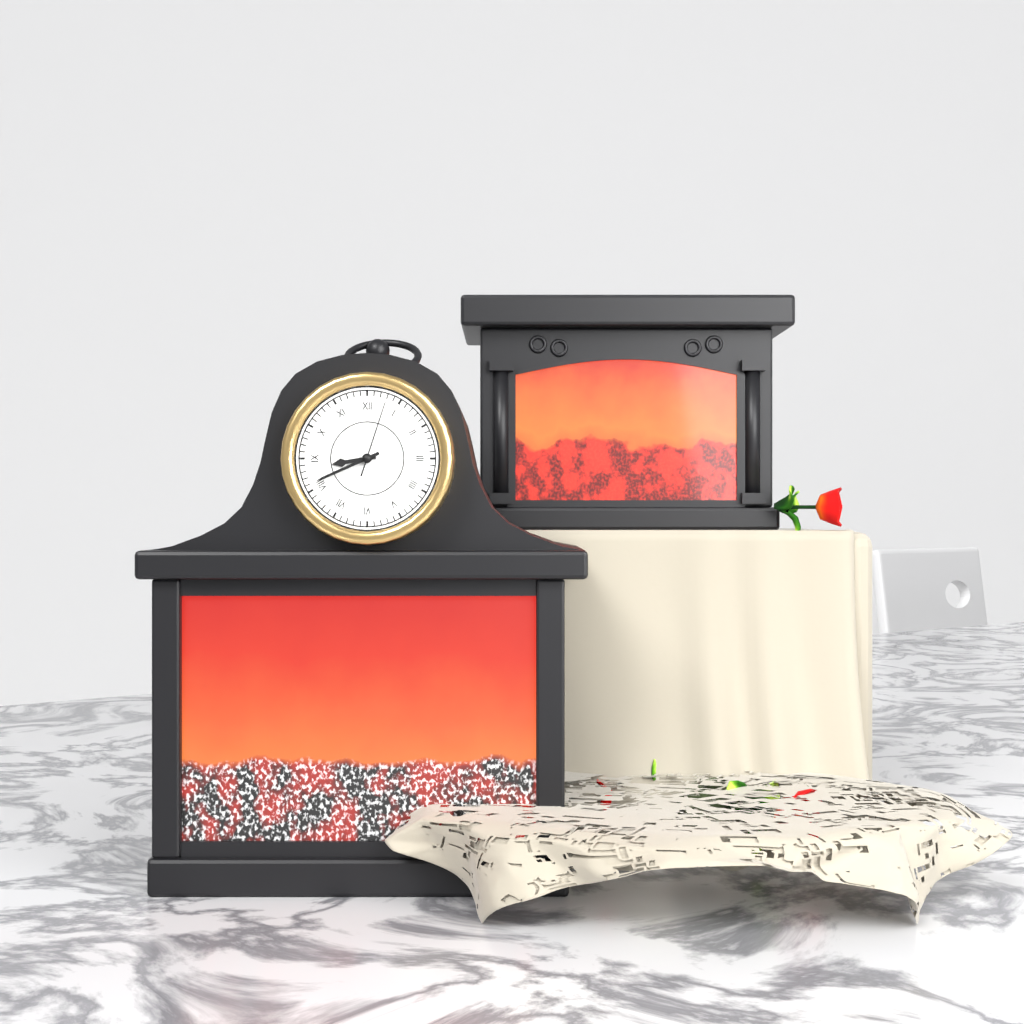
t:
8h41m03s
